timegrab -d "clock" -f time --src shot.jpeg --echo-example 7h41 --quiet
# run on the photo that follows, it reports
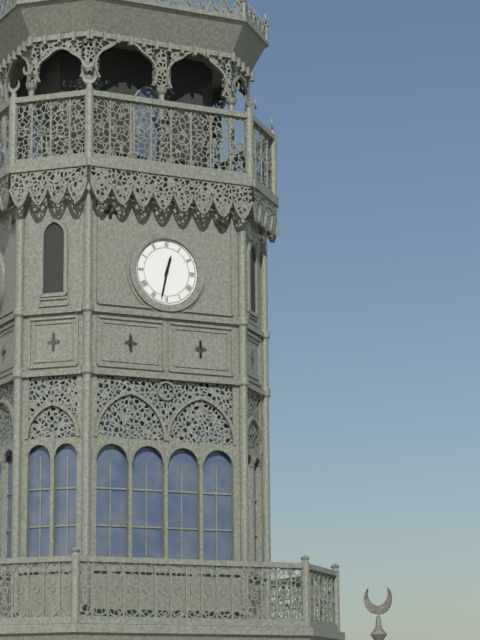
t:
12h32
